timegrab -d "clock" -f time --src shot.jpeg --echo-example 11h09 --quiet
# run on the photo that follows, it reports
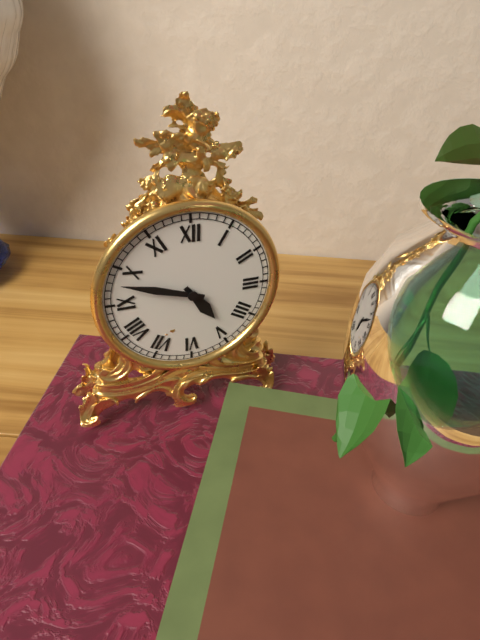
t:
4h48
